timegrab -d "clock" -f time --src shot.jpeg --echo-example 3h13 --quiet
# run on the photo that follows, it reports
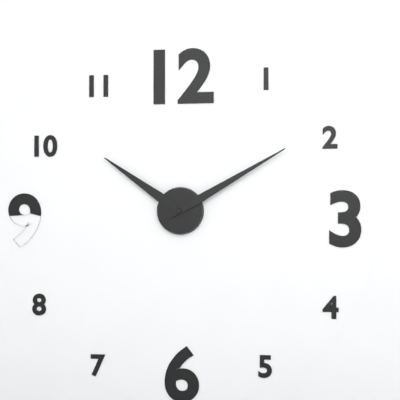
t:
10h10
